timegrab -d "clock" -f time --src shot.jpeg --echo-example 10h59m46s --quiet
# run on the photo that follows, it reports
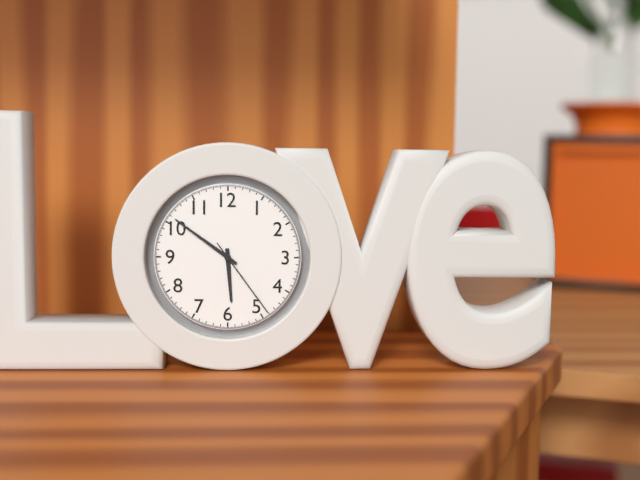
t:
5h51m24s
